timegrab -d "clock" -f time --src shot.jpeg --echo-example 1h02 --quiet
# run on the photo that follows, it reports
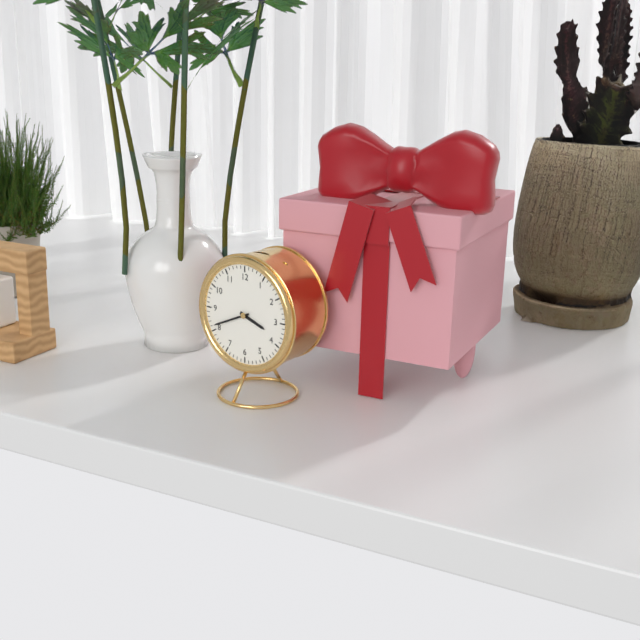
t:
3h41
